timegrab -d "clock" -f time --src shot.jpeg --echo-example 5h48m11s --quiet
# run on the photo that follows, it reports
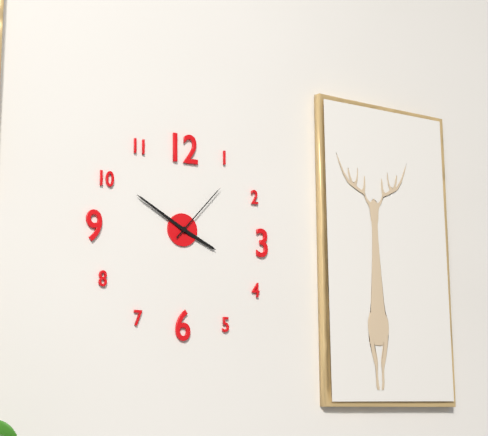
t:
3h50m07s
